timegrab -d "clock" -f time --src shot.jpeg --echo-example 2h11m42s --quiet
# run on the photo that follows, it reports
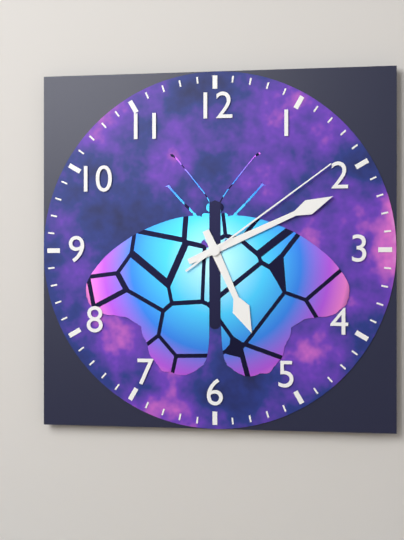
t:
5h11m09s
